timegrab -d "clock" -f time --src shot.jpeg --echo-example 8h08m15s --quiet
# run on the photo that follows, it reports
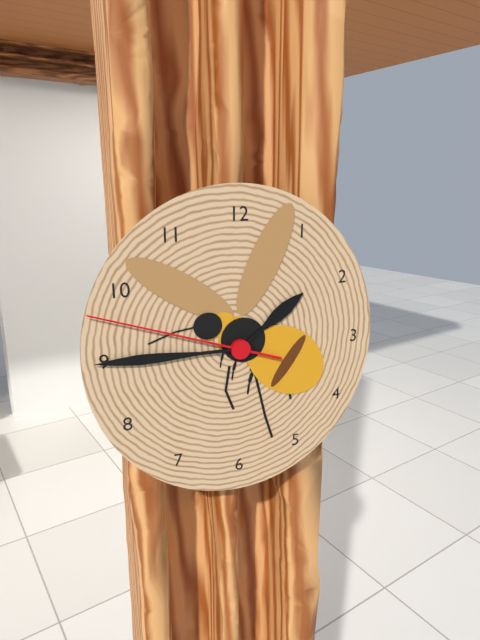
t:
1h45m48s
